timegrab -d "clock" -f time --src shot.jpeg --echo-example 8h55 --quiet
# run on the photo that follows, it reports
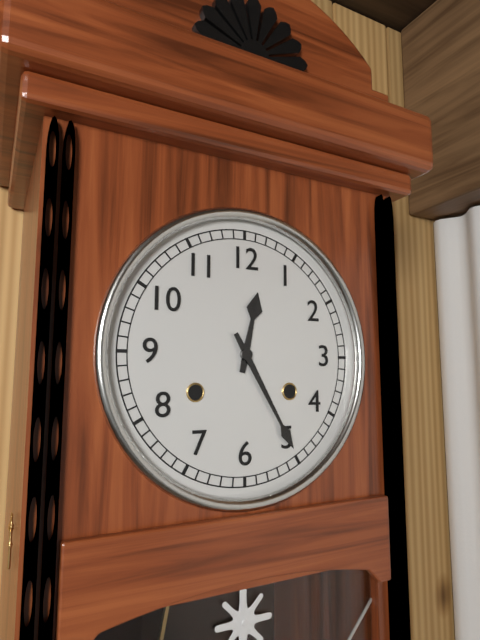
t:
12h25
